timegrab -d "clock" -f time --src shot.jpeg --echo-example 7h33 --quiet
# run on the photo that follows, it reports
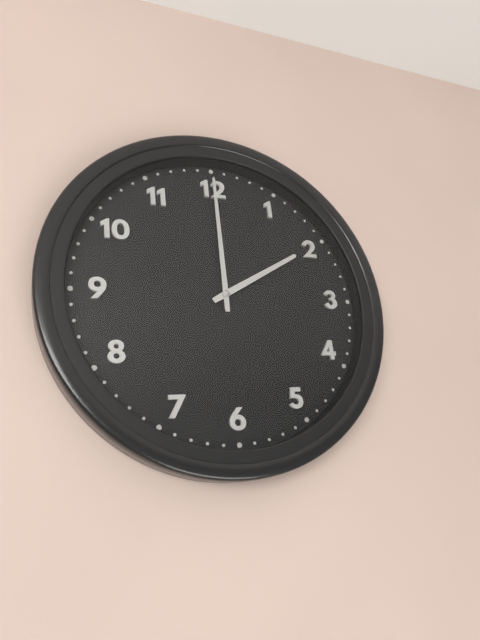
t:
2h00
